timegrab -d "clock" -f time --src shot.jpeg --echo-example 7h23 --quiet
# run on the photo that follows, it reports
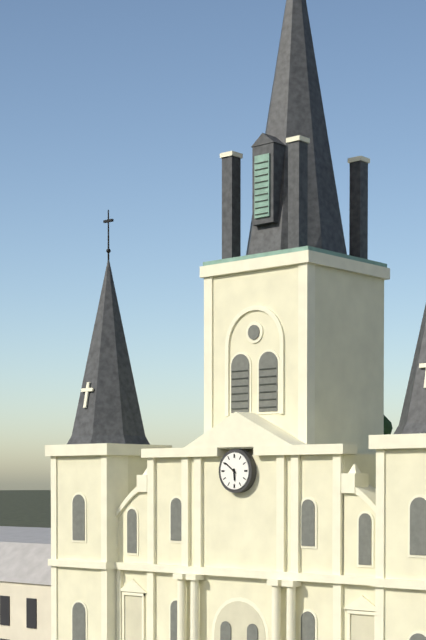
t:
5h51
